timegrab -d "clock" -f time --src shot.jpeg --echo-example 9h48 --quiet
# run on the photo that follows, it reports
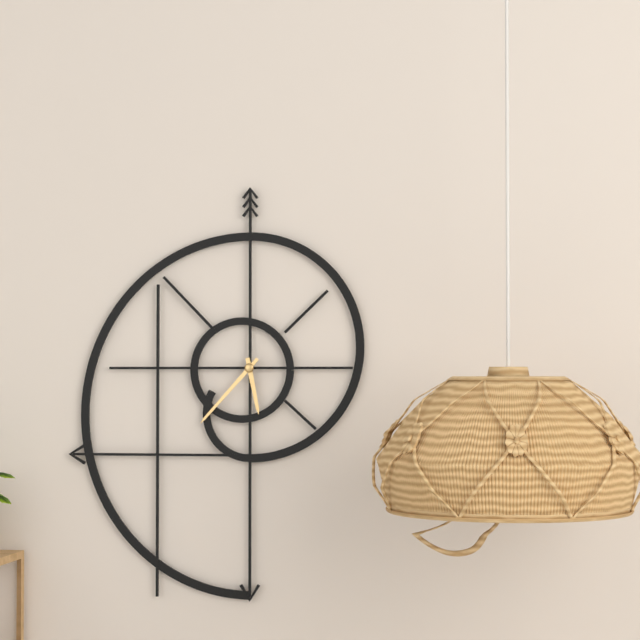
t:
5h37
